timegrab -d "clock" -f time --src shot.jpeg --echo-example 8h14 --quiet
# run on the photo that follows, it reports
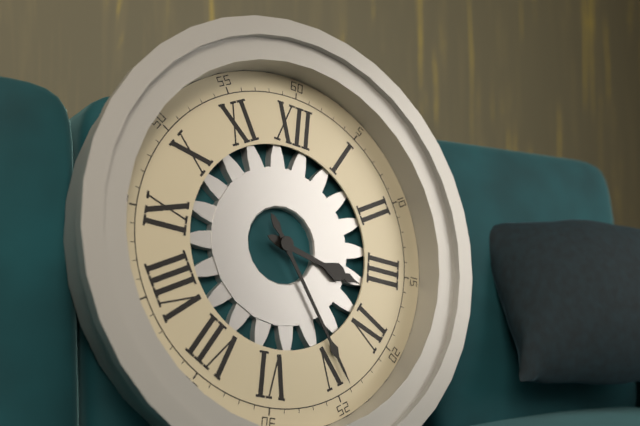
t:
3h24
